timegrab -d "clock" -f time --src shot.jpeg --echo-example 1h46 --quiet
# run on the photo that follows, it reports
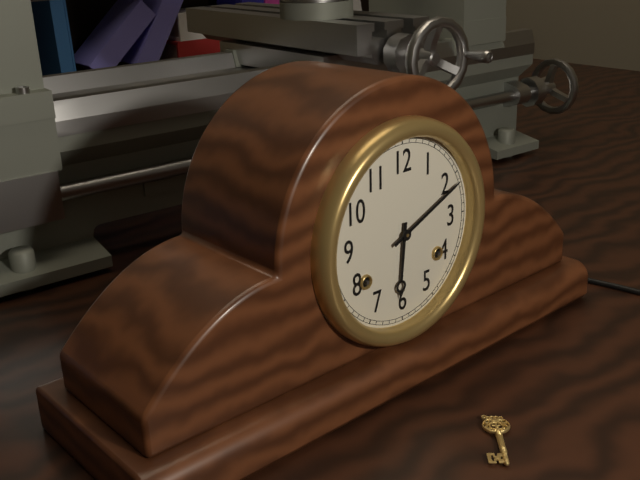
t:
6h11
